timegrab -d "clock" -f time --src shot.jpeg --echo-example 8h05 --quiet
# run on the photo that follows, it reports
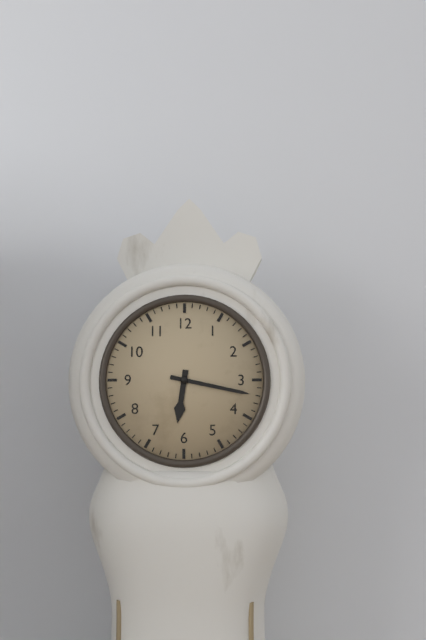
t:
6h17
